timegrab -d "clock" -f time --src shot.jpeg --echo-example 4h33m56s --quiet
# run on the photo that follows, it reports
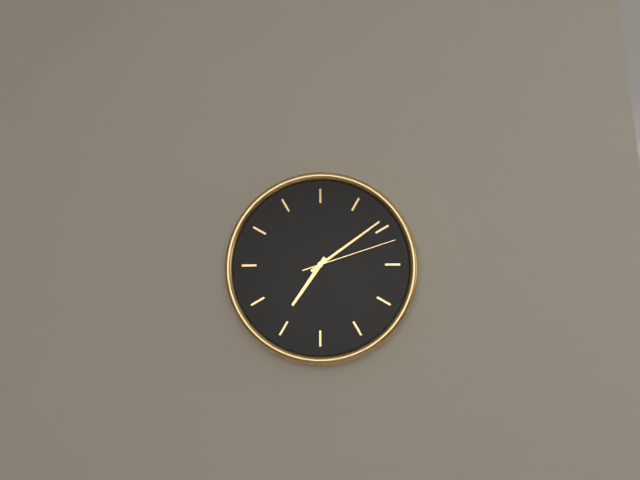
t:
7h09m12s
